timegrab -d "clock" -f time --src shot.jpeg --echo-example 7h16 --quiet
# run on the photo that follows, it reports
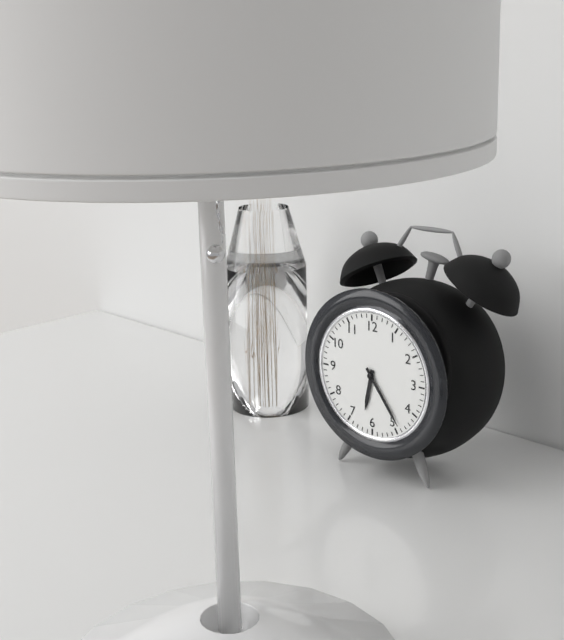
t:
6h24
